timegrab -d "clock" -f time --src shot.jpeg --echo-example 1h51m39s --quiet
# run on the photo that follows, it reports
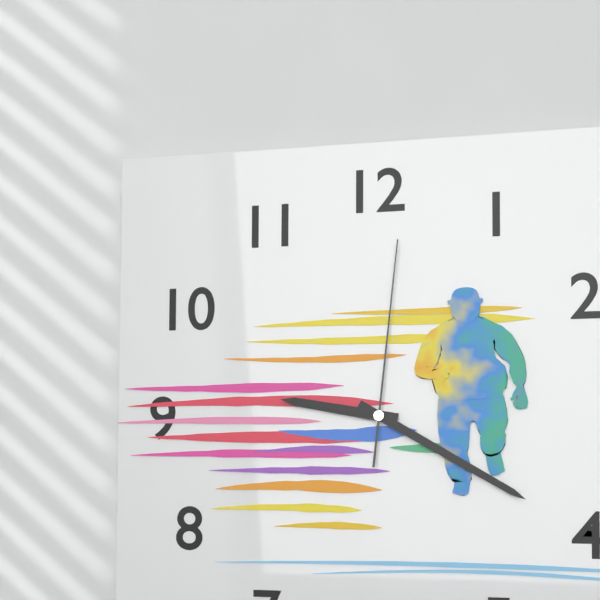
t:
9h20m01s
